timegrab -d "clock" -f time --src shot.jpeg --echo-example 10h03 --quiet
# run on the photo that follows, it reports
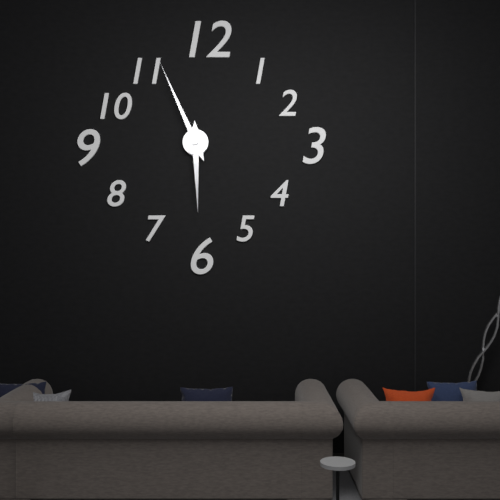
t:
5h56
